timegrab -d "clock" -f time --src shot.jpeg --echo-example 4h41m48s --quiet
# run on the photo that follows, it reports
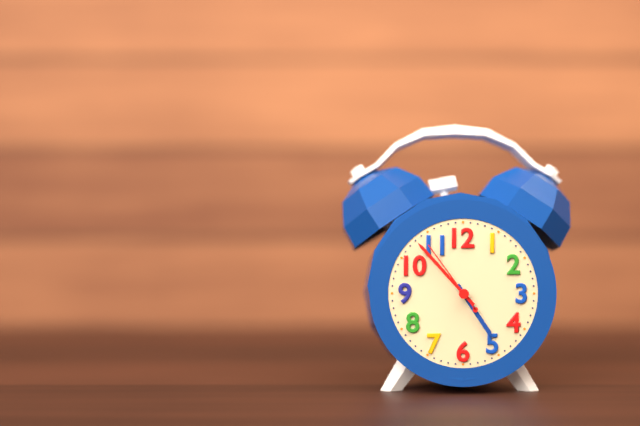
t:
4h53m54s
